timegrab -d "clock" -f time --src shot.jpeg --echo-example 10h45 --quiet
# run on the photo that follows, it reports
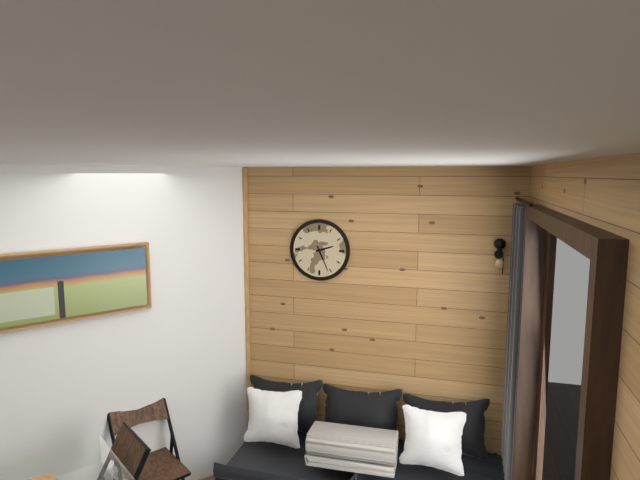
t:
2h26
